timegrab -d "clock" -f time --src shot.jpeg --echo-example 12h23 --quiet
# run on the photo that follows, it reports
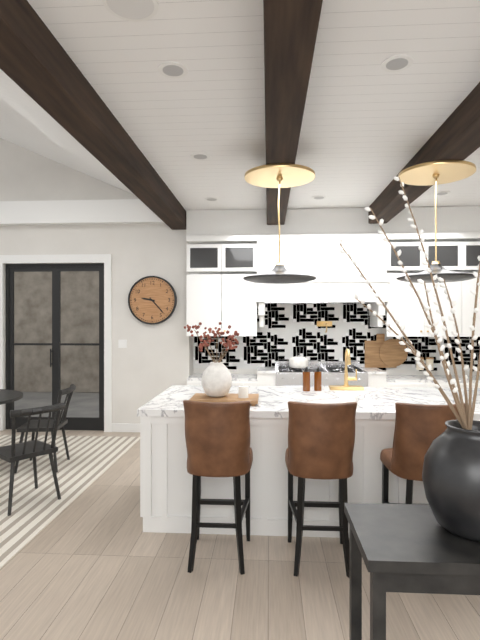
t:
9h23
